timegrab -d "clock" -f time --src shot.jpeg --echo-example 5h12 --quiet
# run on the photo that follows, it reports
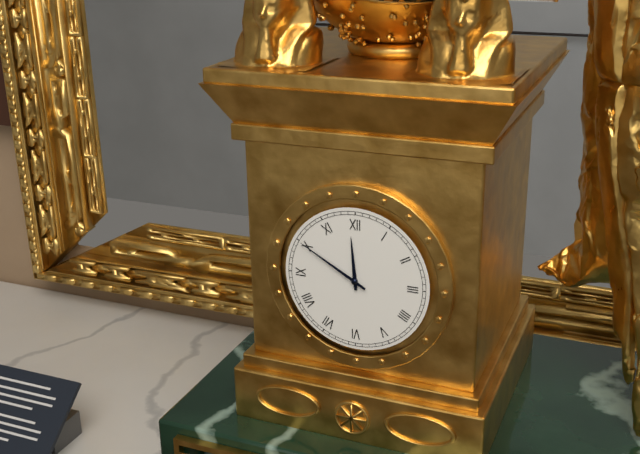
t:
11h50
